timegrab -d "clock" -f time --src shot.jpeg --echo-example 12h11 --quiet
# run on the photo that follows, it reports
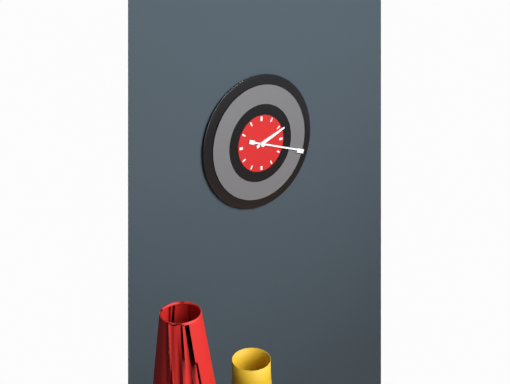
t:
2h18
